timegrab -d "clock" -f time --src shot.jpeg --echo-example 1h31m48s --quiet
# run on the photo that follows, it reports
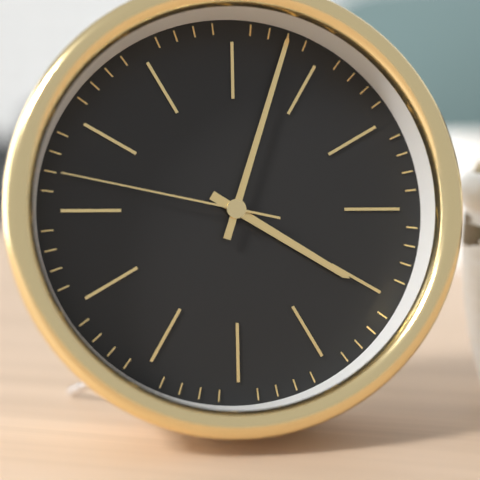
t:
4h03m47s
